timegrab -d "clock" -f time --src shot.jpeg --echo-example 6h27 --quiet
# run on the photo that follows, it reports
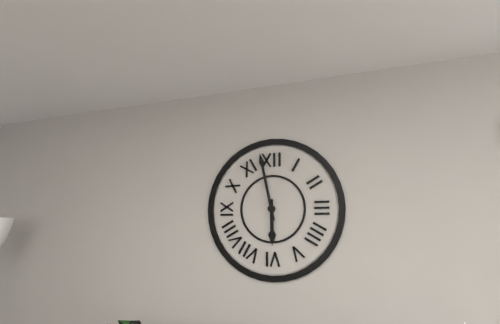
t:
5h58
